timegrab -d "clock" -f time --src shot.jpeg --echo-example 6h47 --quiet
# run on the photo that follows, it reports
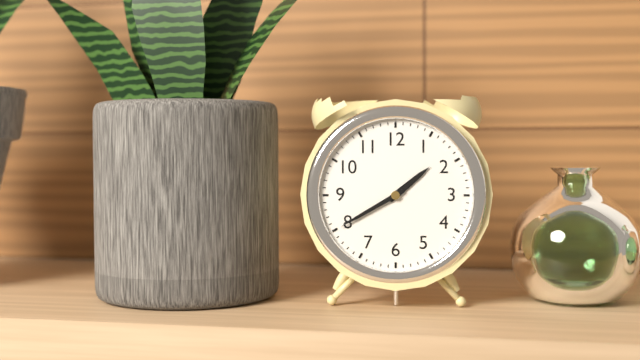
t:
1h40
